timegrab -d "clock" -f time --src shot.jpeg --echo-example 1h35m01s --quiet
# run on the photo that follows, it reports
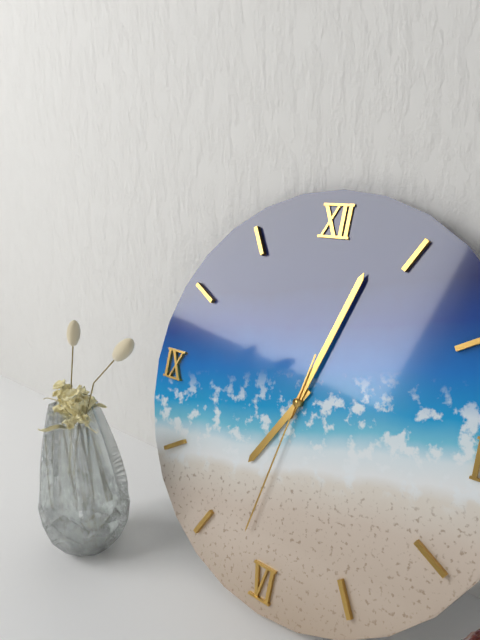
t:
7h03m32s
